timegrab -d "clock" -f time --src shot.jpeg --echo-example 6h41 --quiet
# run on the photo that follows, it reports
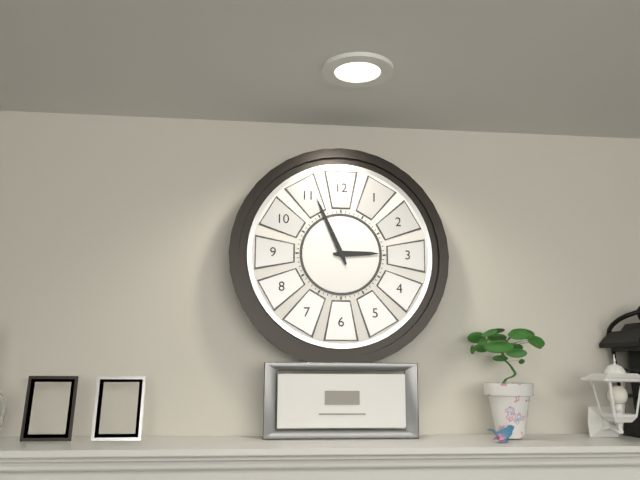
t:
2h56
